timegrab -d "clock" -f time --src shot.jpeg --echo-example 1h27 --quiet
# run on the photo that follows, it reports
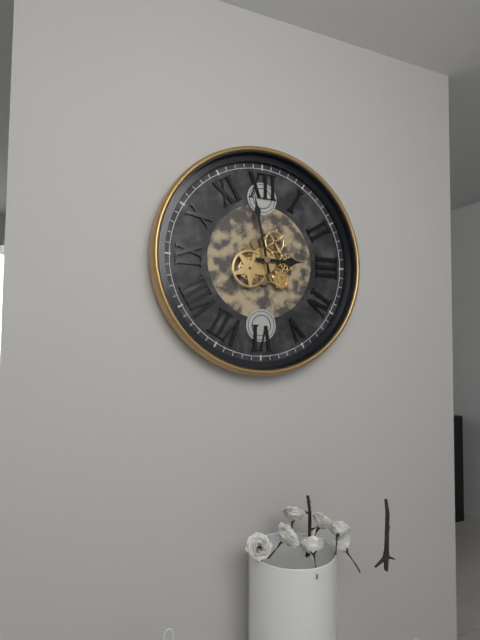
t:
2h58
